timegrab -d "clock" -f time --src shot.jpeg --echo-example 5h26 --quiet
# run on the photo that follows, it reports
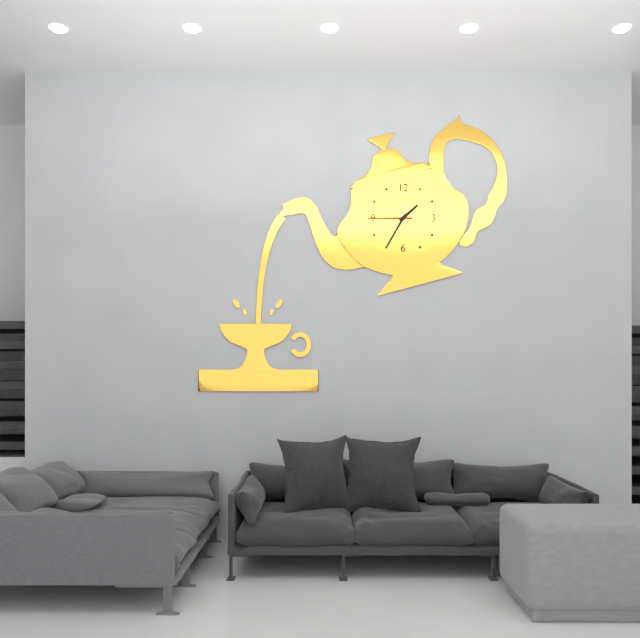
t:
1h35
